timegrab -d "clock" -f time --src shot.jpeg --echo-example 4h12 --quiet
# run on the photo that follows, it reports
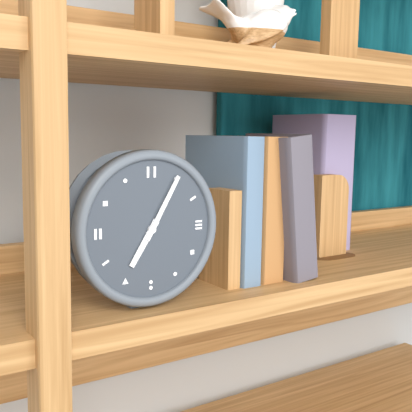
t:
7h05
